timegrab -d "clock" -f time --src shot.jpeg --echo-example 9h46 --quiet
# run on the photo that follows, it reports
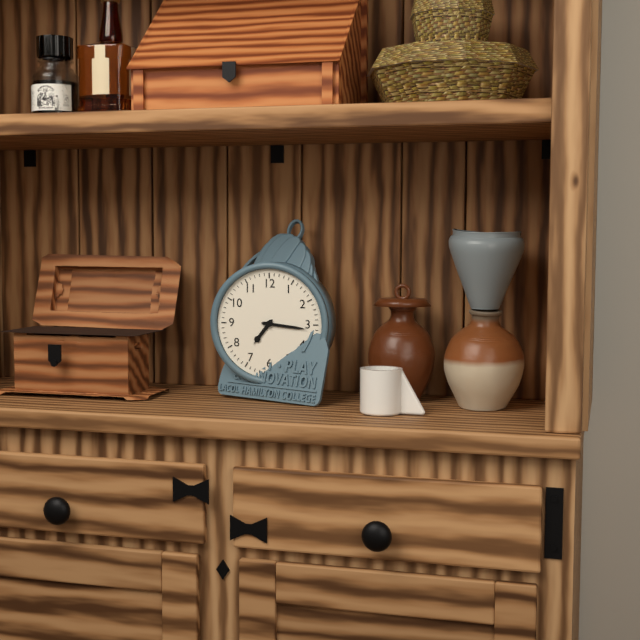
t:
7h16
